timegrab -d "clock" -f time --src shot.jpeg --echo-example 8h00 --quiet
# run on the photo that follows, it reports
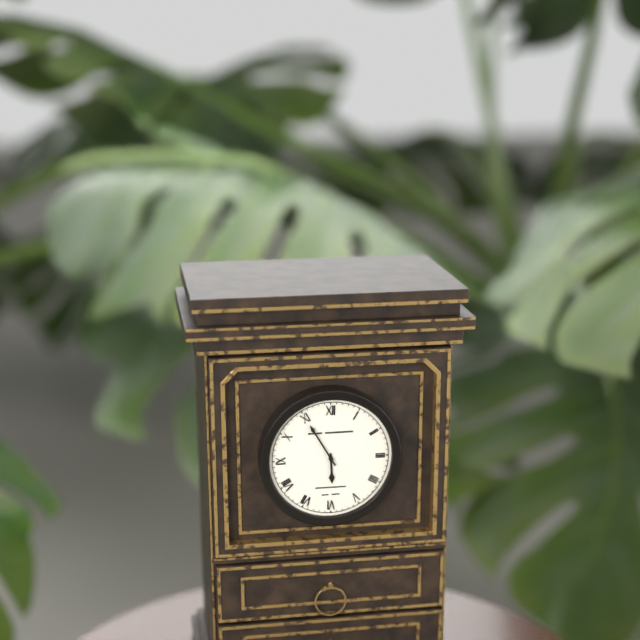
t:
5h55
